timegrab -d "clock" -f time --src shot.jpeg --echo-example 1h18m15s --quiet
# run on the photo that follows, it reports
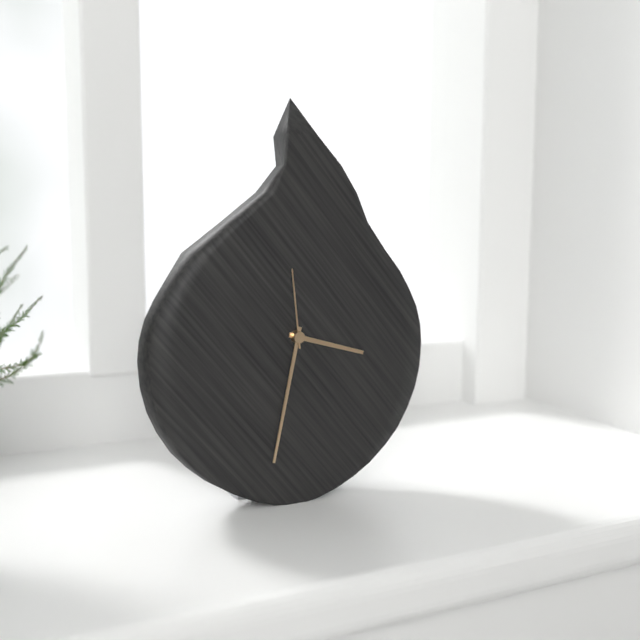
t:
3h32m59s
